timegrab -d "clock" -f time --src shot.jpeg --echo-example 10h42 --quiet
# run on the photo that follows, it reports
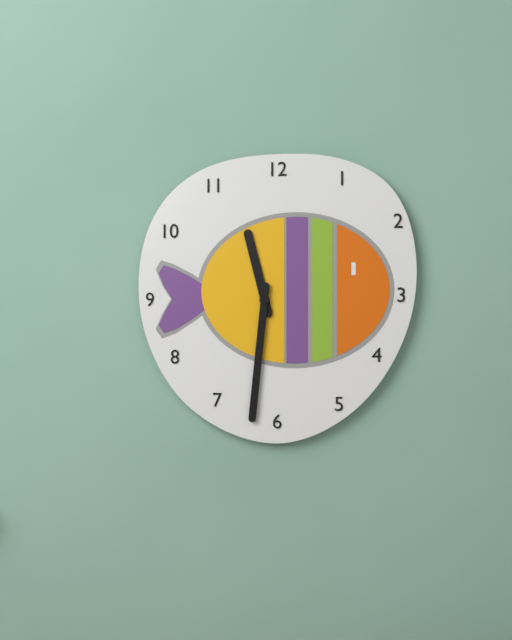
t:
11h31
